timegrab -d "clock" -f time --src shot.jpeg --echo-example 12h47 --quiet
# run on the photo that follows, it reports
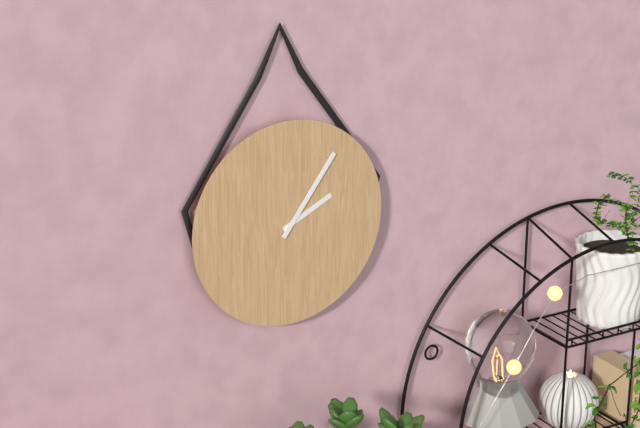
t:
2h06
